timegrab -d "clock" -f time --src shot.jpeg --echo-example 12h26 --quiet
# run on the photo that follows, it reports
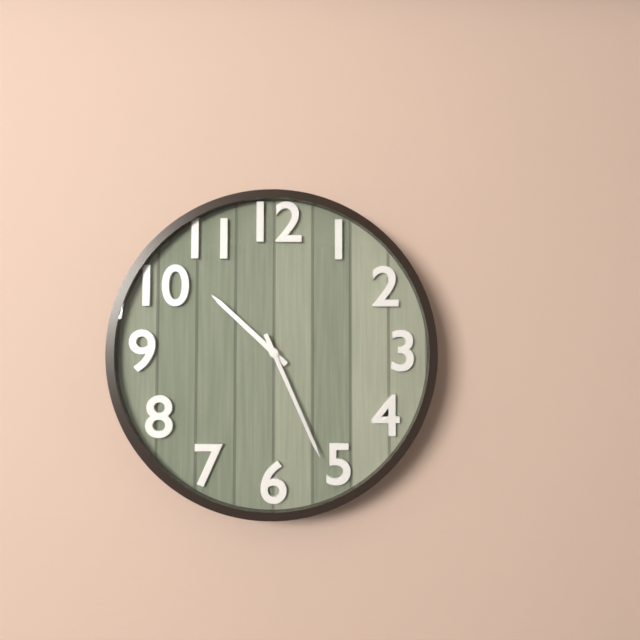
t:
10h26
